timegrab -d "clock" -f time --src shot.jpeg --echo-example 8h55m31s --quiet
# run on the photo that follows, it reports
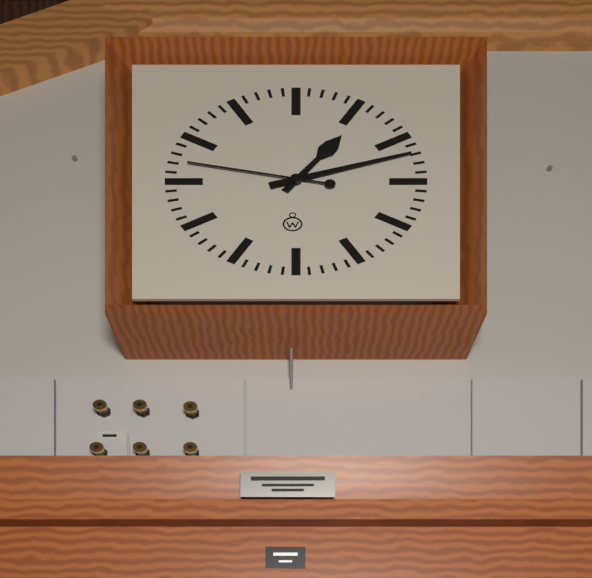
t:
1h12m47s
